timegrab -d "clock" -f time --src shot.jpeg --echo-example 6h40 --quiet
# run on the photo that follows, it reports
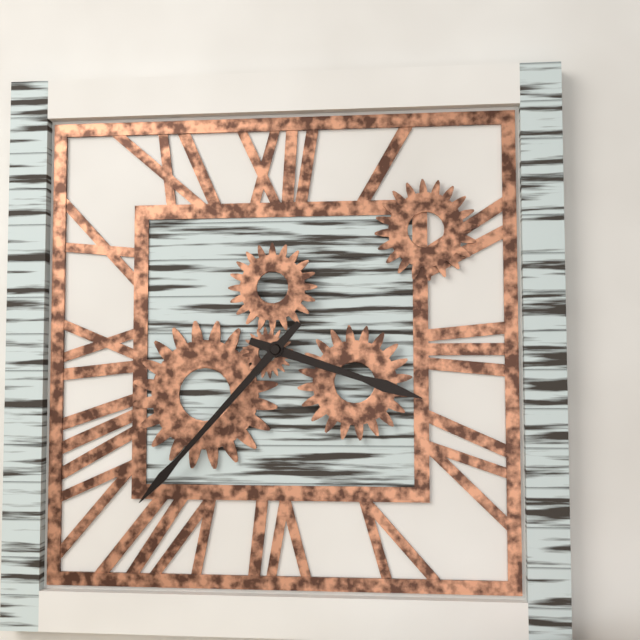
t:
3h37
